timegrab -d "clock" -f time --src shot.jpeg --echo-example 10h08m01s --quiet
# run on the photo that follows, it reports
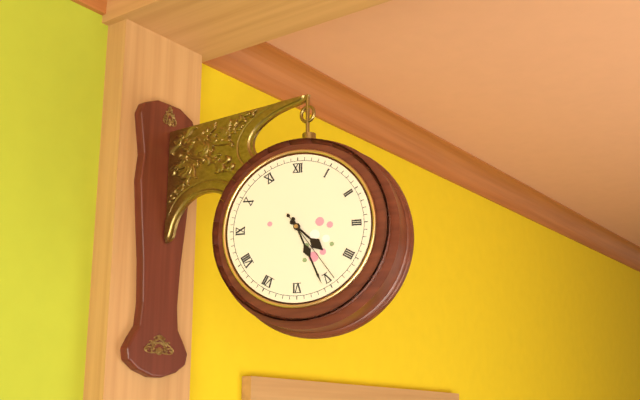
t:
4h26m24s
